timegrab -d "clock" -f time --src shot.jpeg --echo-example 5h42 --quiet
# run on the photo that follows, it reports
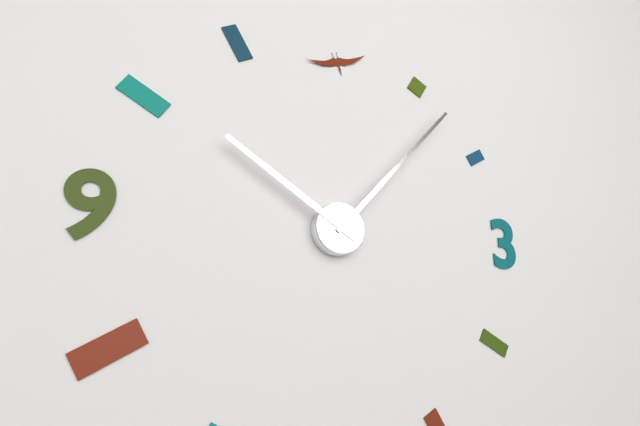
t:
10h07
